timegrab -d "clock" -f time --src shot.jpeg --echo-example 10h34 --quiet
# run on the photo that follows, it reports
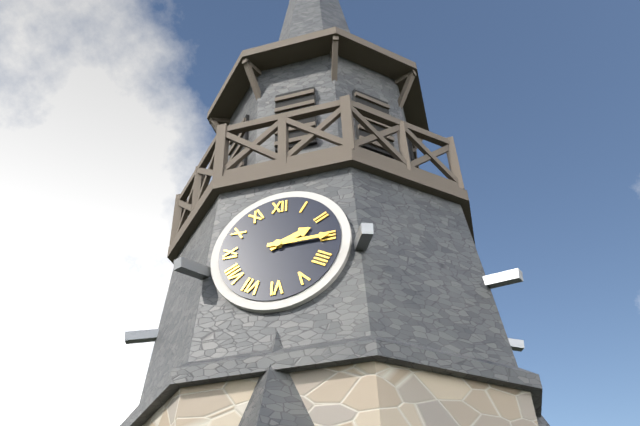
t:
2h15
